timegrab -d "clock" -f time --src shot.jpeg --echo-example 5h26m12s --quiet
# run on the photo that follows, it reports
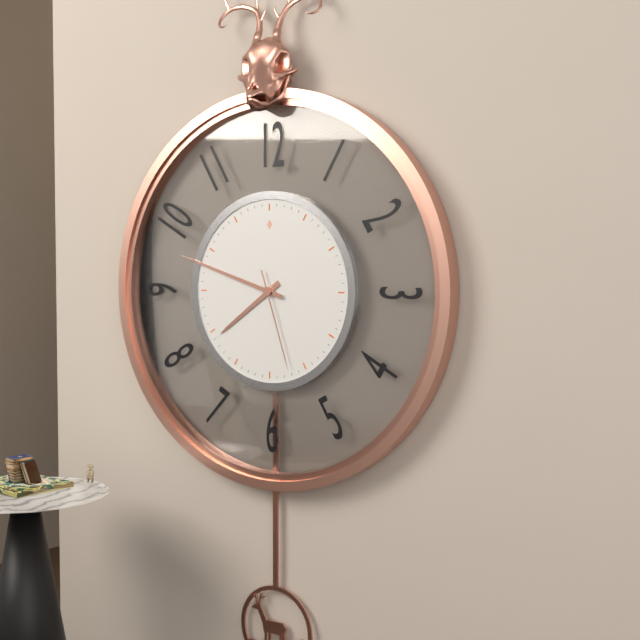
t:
7h48m27s
